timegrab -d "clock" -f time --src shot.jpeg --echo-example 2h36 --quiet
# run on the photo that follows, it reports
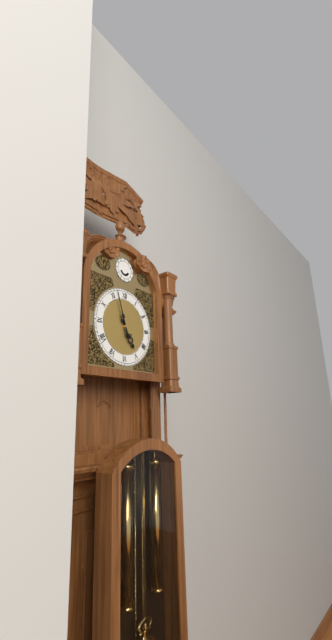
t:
4h57
